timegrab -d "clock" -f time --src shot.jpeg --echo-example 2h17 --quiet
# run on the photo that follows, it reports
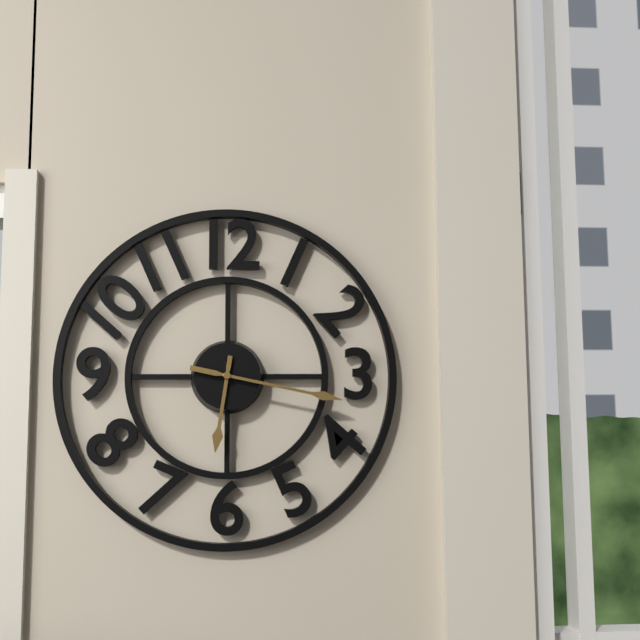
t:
6h17
